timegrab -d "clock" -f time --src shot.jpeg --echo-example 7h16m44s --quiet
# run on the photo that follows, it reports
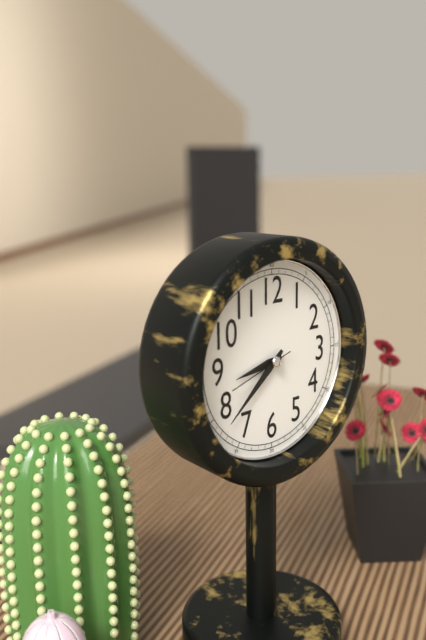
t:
8h38m42s
